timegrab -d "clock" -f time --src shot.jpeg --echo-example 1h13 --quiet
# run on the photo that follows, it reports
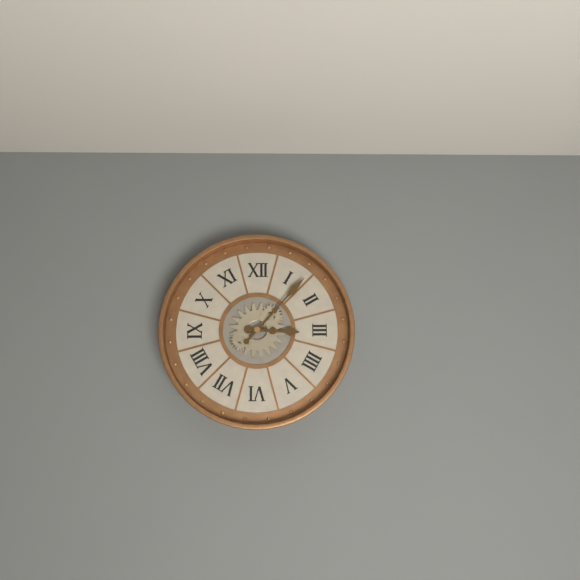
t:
3h07
